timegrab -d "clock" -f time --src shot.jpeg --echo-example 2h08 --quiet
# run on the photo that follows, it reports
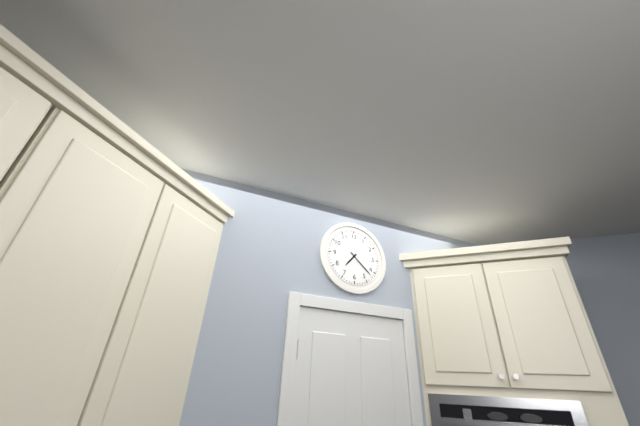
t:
7h22
